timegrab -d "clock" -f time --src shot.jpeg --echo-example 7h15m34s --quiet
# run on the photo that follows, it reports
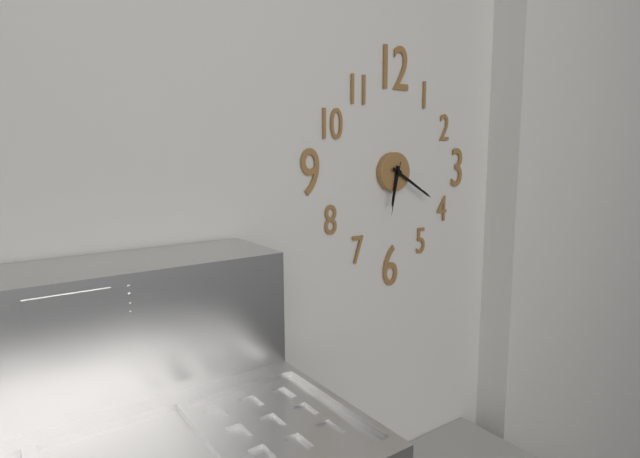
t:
6h20m32s
